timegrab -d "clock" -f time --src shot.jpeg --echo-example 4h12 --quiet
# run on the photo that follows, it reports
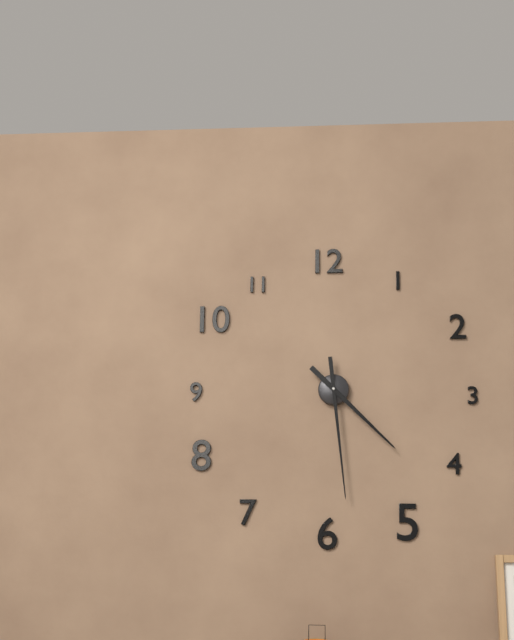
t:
4h29
